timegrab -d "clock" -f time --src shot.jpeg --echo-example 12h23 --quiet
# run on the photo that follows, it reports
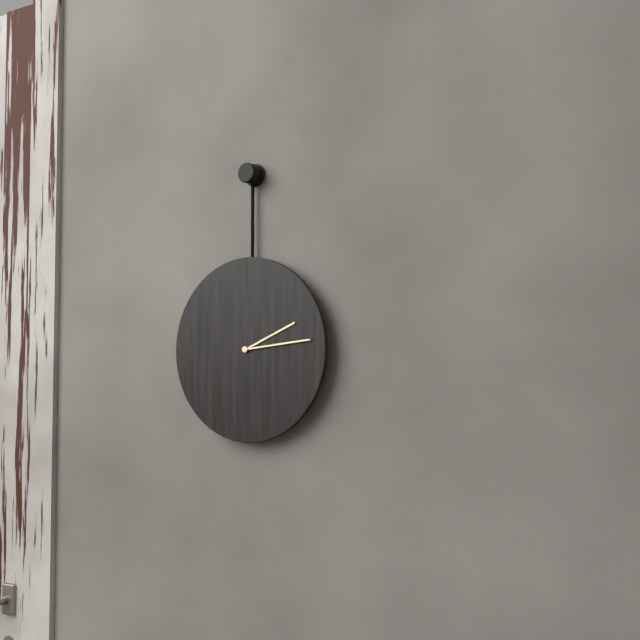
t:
2h14
